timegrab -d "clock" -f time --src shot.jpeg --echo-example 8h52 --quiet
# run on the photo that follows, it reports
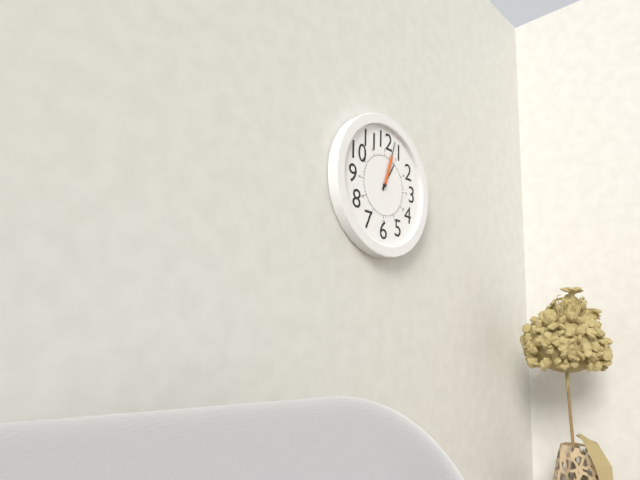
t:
1h03
